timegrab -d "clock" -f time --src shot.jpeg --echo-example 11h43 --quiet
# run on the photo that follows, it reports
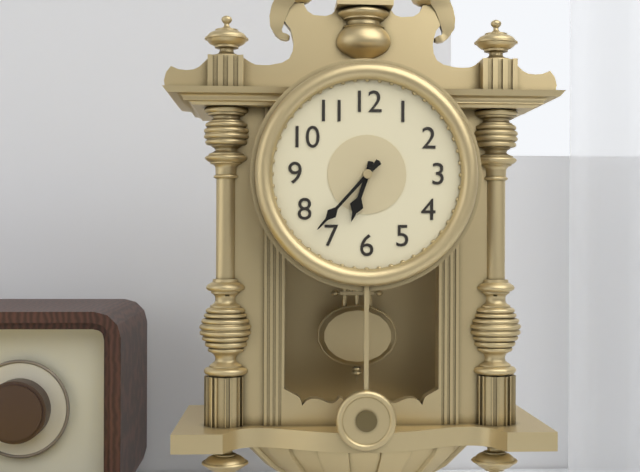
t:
6h37
